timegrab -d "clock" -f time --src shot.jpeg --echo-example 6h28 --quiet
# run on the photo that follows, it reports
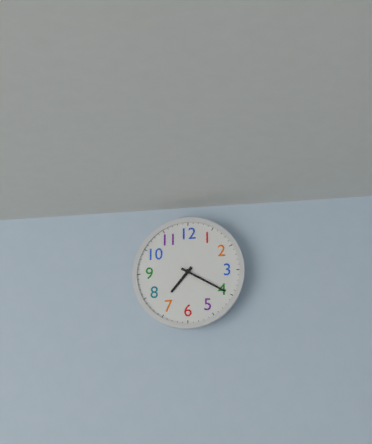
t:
7h20
